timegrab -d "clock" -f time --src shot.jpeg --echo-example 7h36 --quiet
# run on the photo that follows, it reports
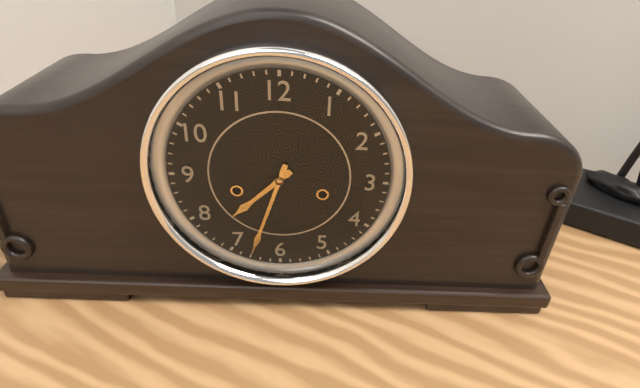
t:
7h33
